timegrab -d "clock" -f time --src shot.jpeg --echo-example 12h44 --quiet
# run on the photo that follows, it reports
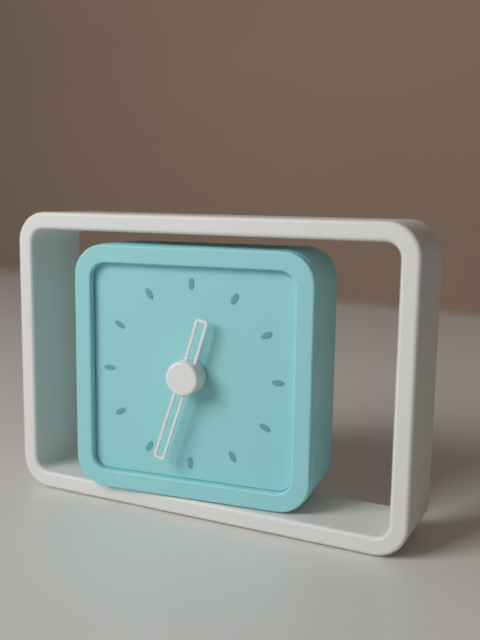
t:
12h33
